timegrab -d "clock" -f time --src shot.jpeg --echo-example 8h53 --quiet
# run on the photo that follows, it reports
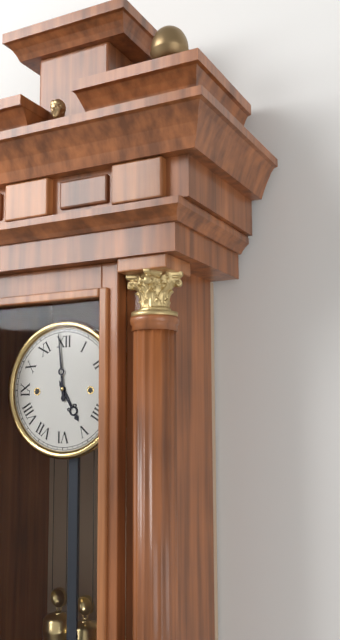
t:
4h59
